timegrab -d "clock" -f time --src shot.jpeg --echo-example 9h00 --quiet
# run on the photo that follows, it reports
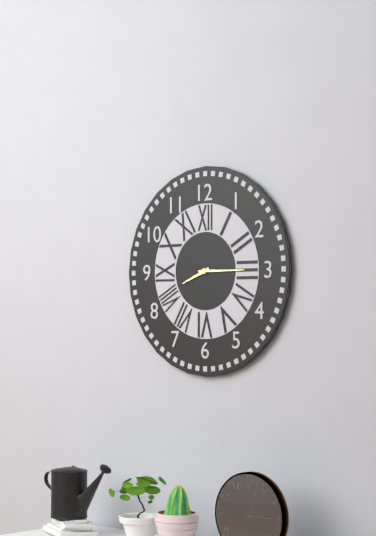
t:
8h15
